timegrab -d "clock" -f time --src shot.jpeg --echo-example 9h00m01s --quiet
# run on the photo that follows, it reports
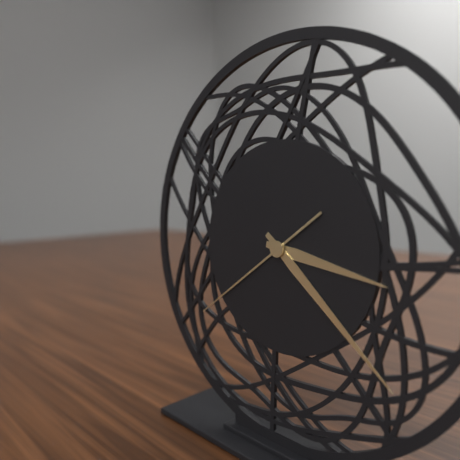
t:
3h22m39s
